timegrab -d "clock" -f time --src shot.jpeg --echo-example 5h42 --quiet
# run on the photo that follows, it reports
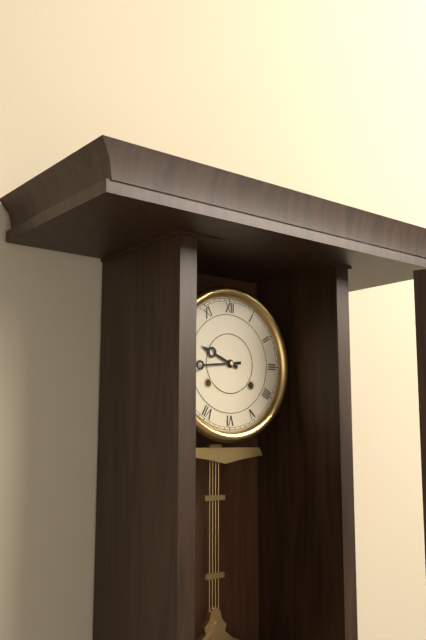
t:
9h44
